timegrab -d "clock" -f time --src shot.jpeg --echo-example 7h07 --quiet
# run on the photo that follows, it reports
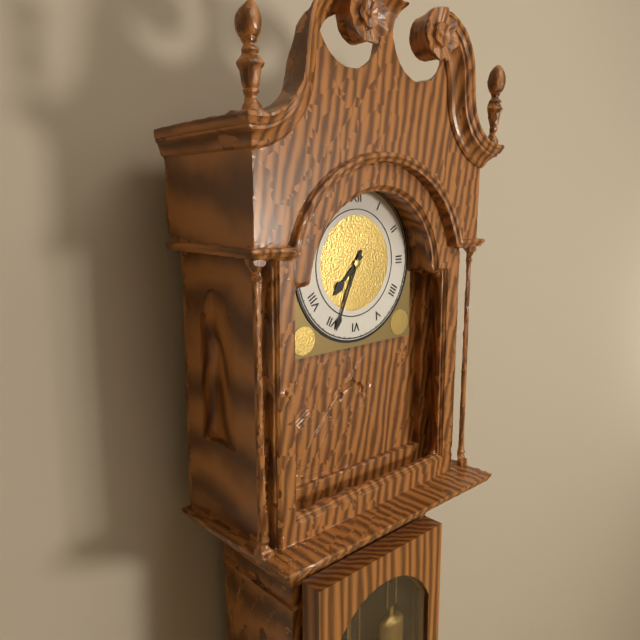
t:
7h34
